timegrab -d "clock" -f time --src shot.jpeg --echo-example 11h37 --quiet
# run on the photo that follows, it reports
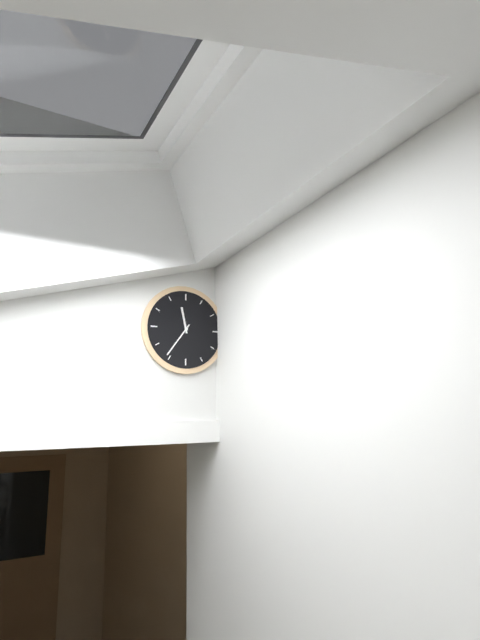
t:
11h36
